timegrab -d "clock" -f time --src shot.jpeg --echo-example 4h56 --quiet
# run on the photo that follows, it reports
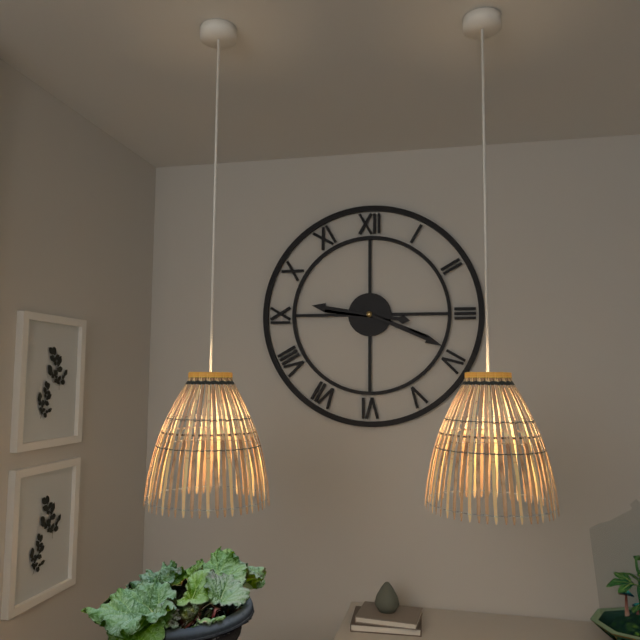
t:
9h19
